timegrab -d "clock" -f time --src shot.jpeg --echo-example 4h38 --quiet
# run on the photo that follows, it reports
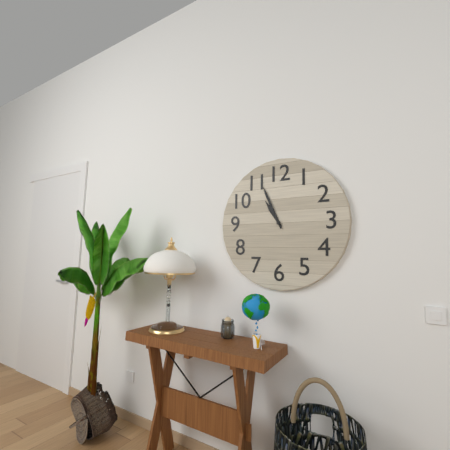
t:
10h56
